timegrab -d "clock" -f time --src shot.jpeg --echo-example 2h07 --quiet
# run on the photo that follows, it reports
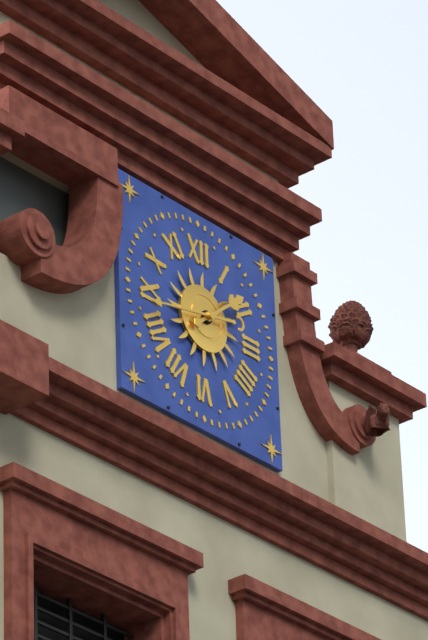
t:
1h43
